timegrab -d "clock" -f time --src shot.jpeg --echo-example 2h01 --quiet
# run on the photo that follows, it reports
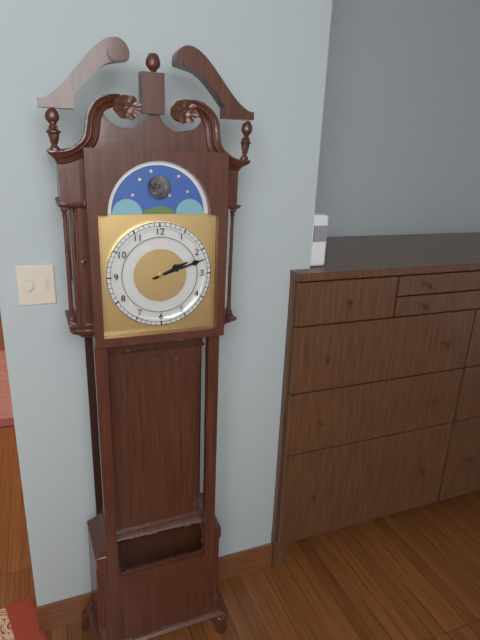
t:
2h12
